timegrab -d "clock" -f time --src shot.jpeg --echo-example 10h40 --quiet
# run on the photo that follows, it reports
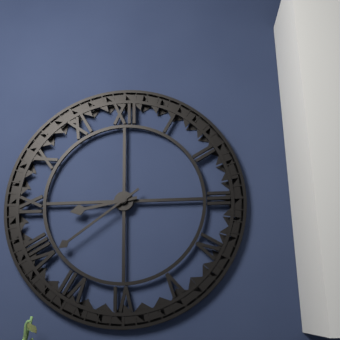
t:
8h39
